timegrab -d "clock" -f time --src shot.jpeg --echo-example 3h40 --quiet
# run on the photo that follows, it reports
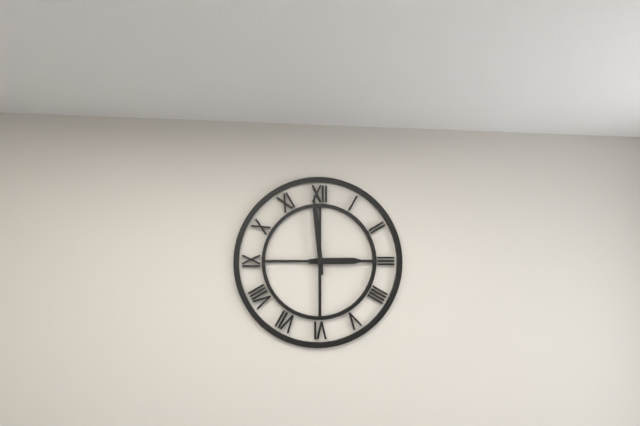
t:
2h59
